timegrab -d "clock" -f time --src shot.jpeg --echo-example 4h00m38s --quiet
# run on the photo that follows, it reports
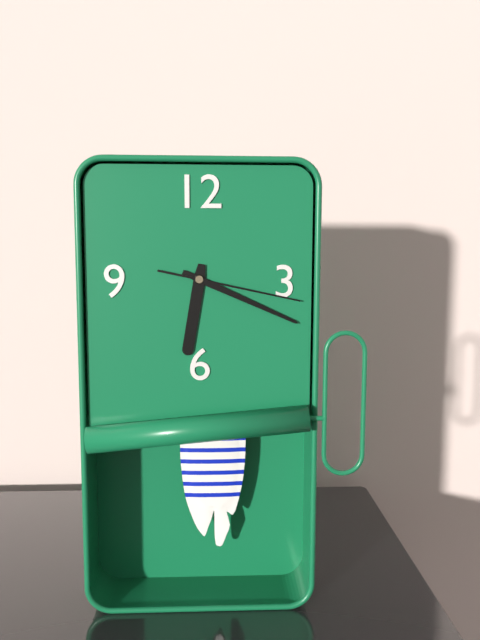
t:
6h19m17s
